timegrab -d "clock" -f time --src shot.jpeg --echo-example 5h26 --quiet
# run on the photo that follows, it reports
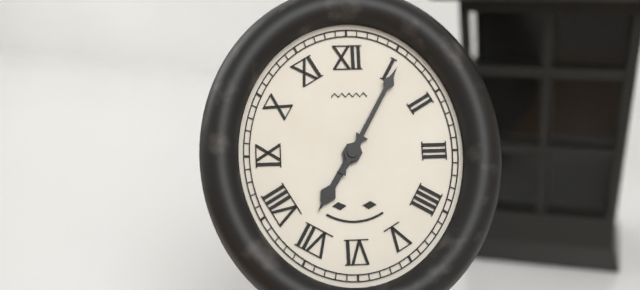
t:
7h05
